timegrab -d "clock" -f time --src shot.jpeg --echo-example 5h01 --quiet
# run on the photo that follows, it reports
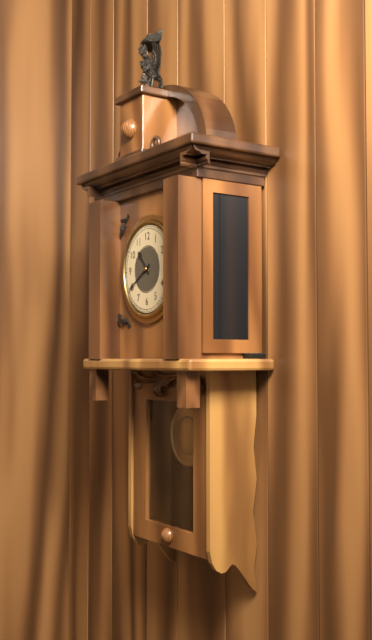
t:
10h40
